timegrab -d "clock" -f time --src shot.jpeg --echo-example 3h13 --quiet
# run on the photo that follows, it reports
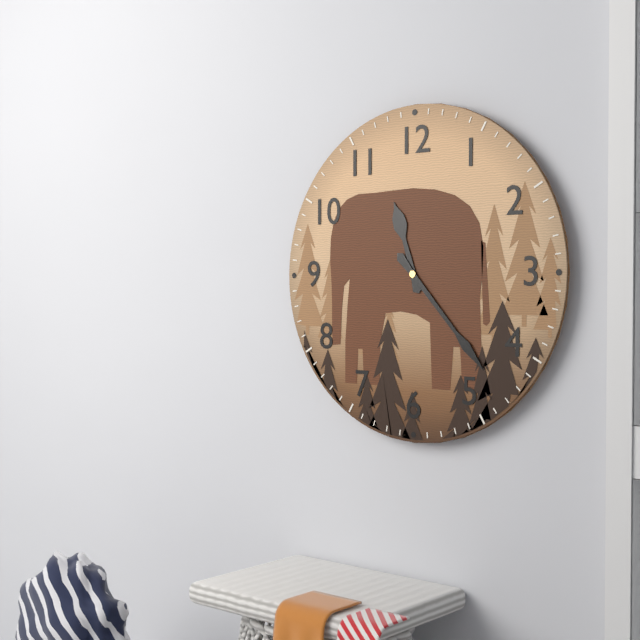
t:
11h23
